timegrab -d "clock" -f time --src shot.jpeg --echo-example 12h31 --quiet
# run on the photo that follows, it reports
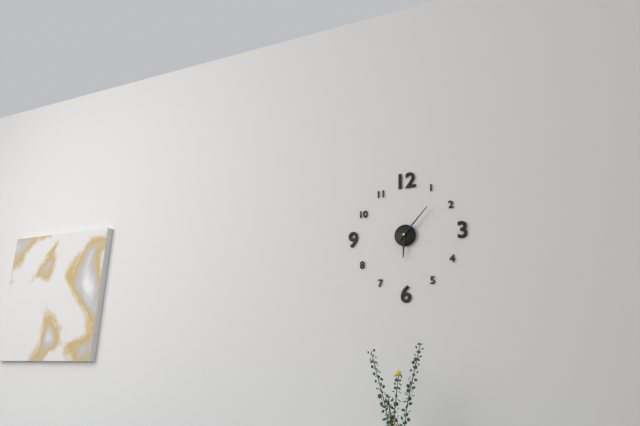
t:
6h07
